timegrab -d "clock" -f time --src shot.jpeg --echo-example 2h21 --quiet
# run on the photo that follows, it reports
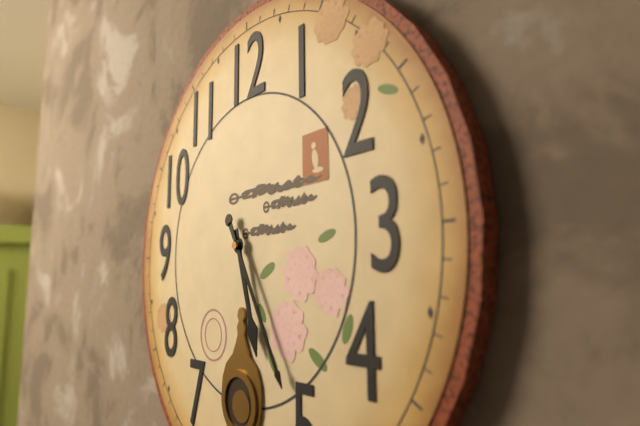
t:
5h25
